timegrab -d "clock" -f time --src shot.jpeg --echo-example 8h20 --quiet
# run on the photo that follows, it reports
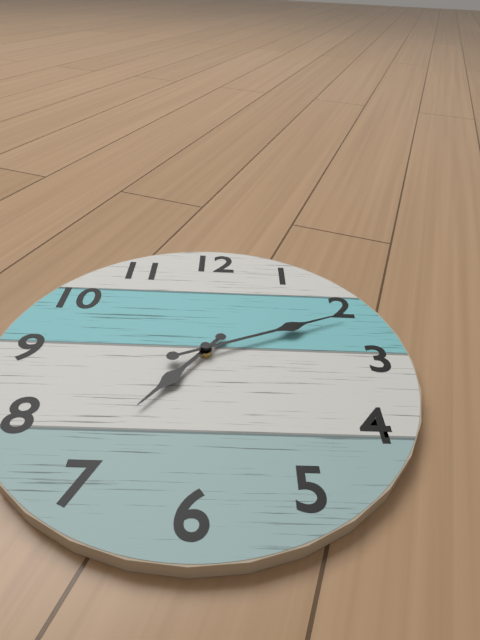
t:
7h11
